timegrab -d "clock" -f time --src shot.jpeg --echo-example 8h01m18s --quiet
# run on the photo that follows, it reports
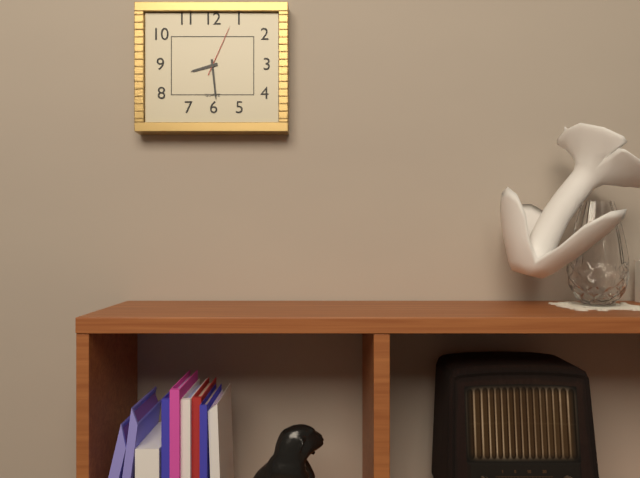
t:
8h29m04s
